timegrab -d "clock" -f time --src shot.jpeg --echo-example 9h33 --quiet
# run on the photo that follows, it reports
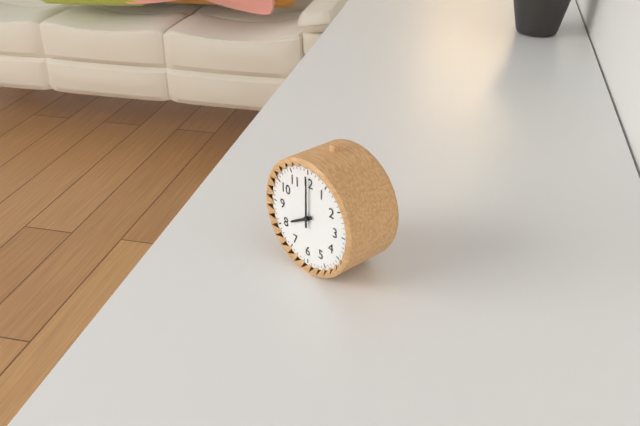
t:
8h00
